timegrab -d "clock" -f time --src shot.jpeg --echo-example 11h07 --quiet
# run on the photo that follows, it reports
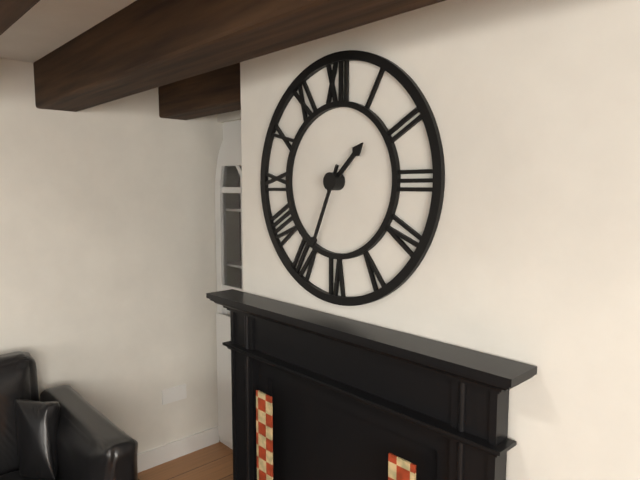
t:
1h34
